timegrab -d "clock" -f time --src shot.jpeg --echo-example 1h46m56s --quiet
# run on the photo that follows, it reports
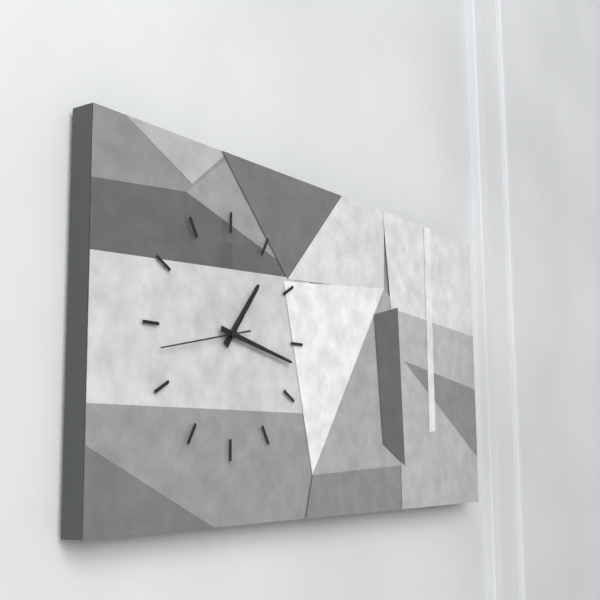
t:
1h17m43s
